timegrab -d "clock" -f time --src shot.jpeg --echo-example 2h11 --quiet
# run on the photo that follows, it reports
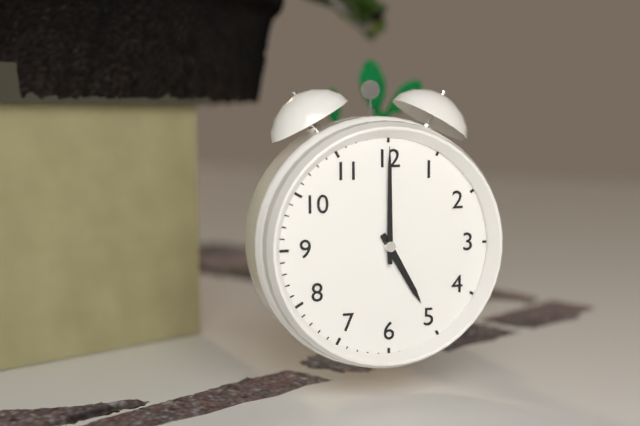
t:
5h00
